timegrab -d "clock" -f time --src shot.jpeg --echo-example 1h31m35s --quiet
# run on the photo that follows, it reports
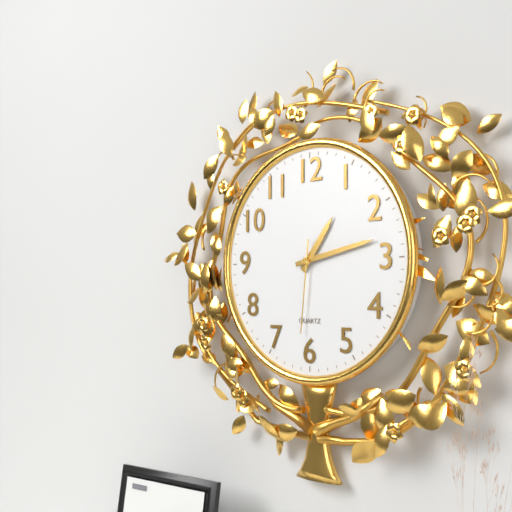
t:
1h13m31s
